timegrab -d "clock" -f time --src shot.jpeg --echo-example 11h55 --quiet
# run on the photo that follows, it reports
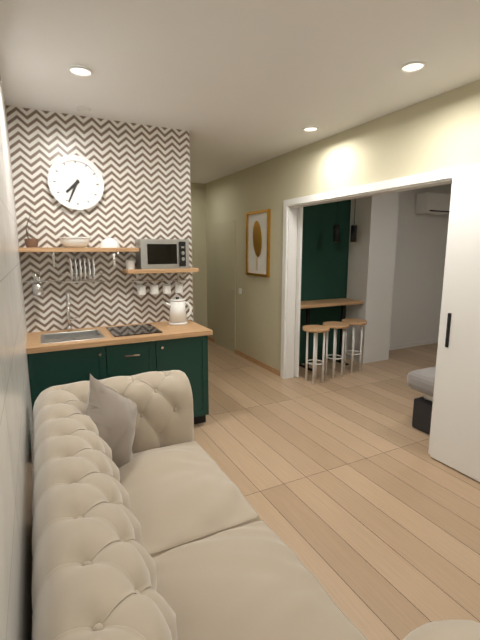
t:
7h34
